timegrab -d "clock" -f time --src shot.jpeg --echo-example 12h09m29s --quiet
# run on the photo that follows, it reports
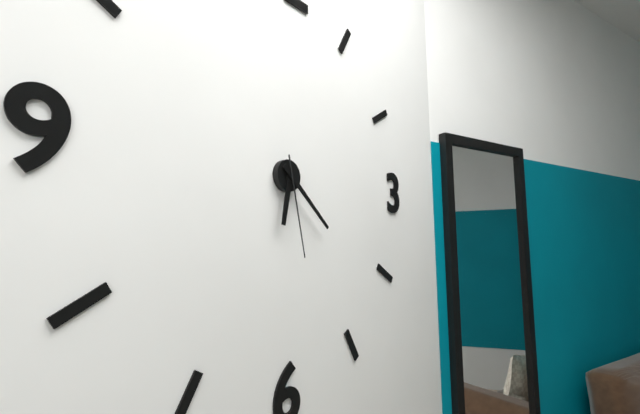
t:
6h22m28s
